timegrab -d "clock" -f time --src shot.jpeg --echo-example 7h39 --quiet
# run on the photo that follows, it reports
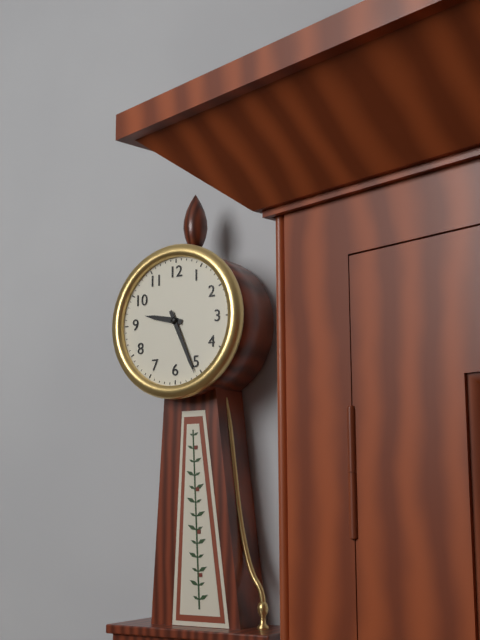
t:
9h26
